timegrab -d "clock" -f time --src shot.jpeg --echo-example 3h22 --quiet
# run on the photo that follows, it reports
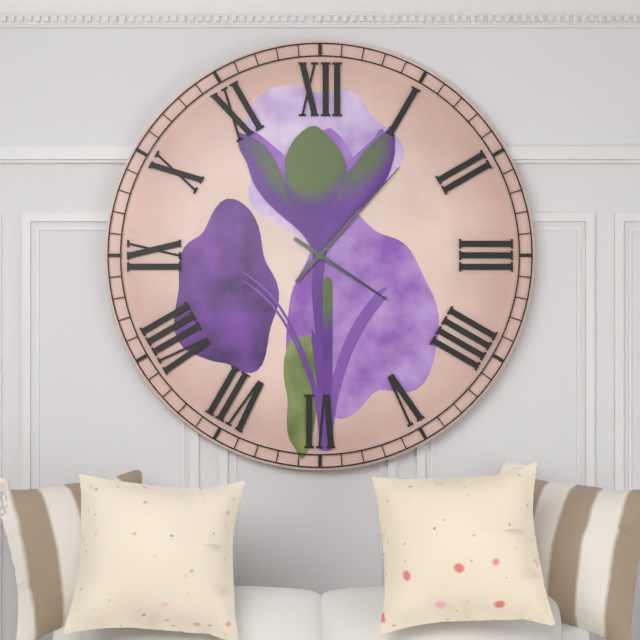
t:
4h07
